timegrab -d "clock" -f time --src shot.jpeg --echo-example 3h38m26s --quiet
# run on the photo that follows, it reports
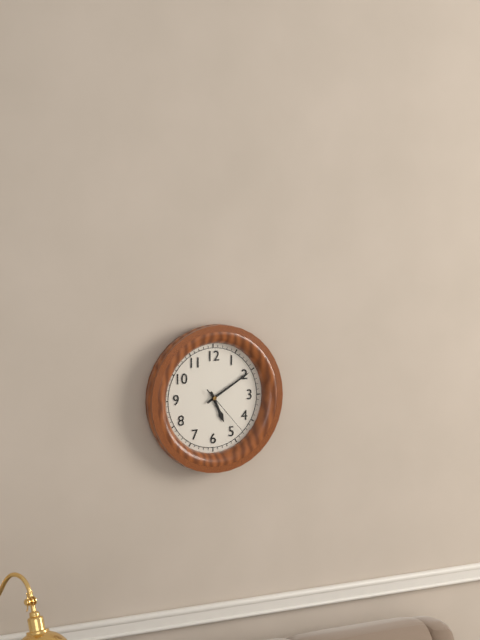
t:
5h10m23s
